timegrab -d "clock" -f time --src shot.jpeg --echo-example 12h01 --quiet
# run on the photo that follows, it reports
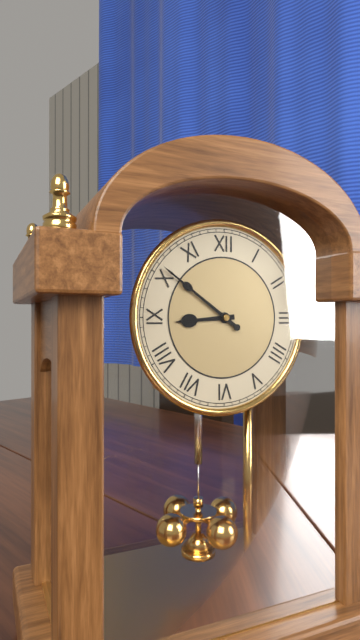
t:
8h51
